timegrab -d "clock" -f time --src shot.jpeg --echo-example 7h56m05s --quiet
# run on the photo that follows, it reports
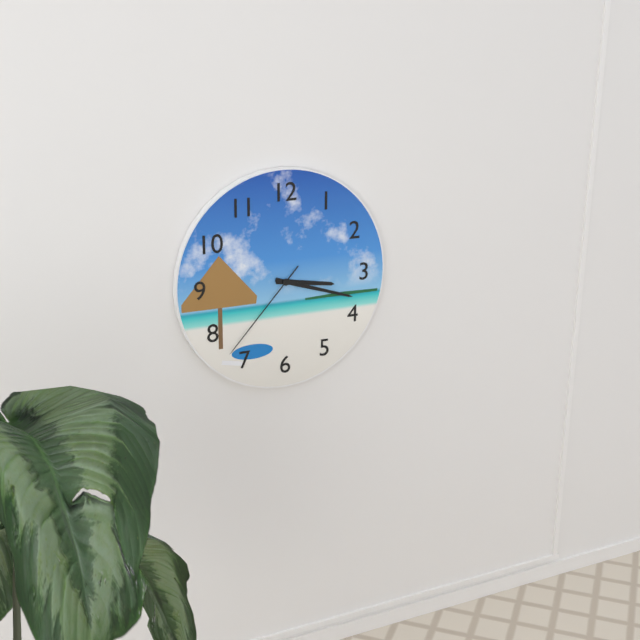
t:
3h18m37s
